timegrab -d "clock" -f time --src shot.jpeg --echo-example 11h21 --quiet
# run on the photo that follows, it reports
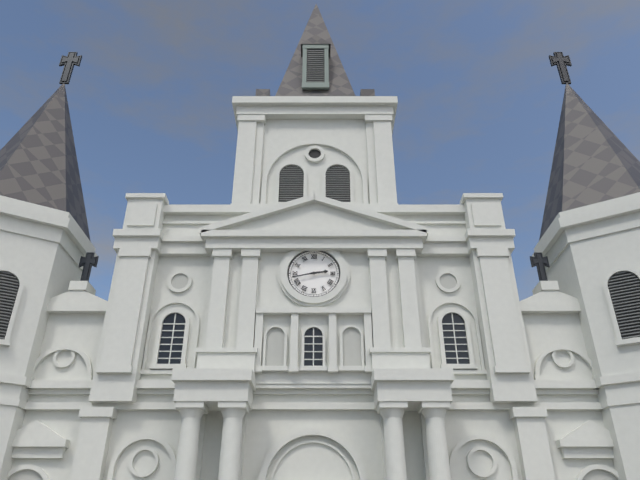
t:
2h43
